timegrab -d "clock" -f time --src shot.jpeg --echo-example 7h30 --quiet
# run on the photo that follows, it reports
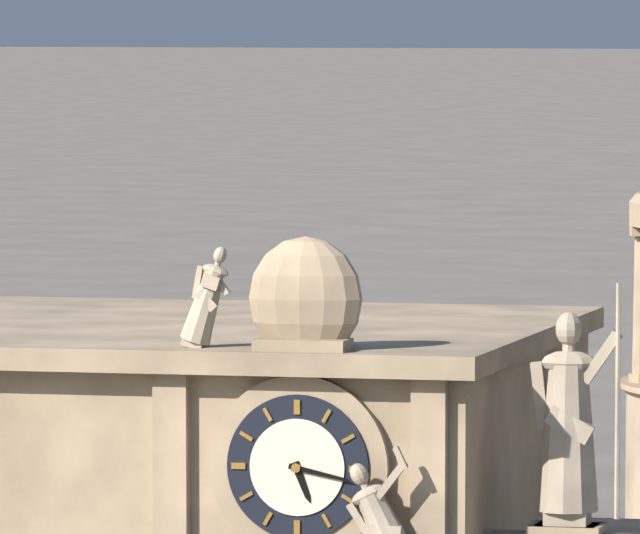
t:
5h17
